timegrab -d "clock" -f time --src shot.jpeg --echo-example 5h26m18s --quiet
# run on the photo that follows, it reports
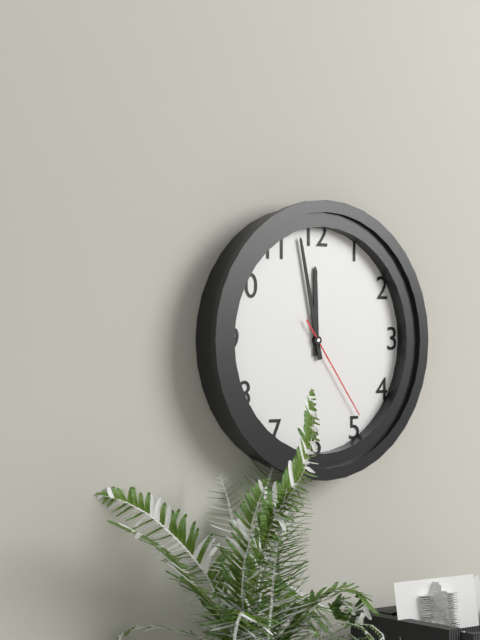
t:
11h58m24s
